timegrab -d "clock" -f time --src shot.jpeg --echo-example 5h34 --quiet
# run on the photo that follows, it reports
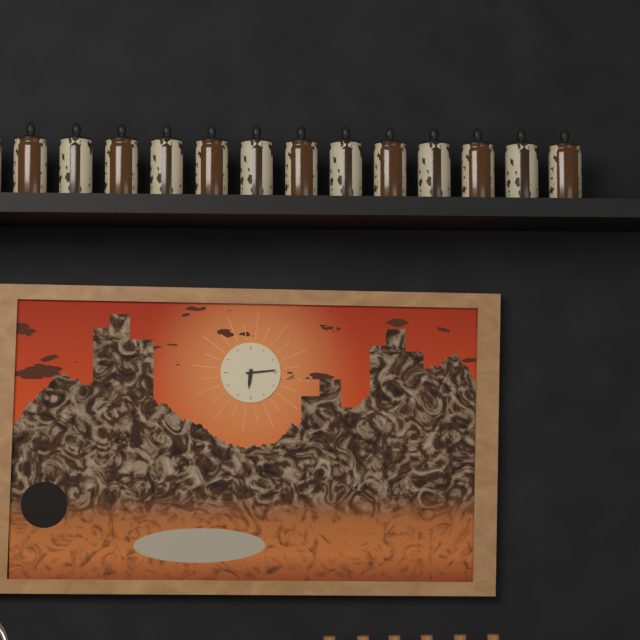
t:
6h14
